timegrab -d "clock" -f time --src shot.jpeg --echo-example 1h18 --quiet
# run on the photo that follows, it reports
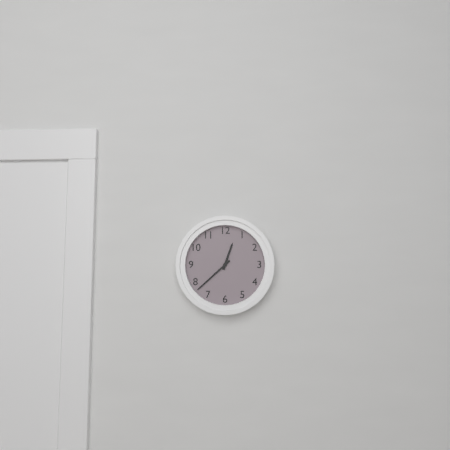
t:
12h38
